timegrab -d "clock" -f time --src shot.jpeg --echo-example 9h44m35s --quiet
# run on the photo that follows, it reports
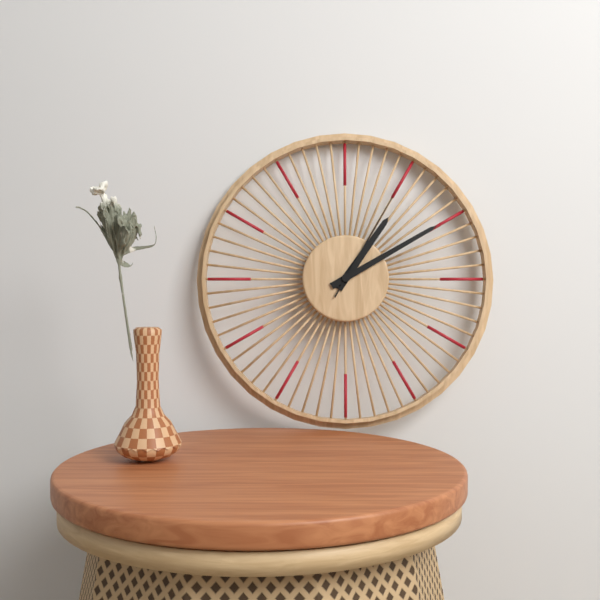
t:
1h10m05s
